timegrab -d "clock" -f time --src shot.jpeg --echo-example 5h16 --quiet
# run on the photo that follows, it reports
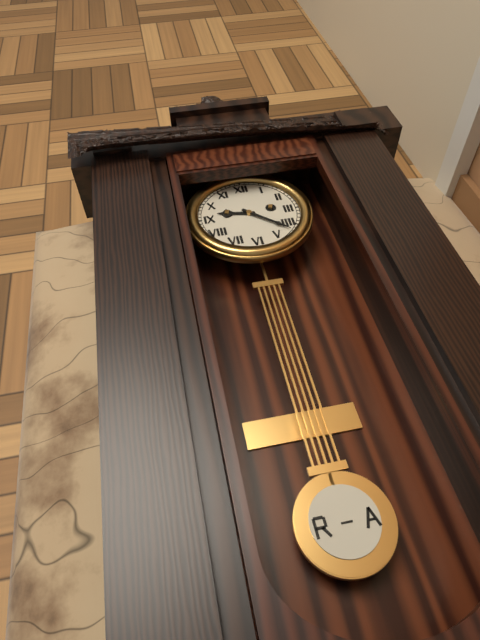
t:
9h22
